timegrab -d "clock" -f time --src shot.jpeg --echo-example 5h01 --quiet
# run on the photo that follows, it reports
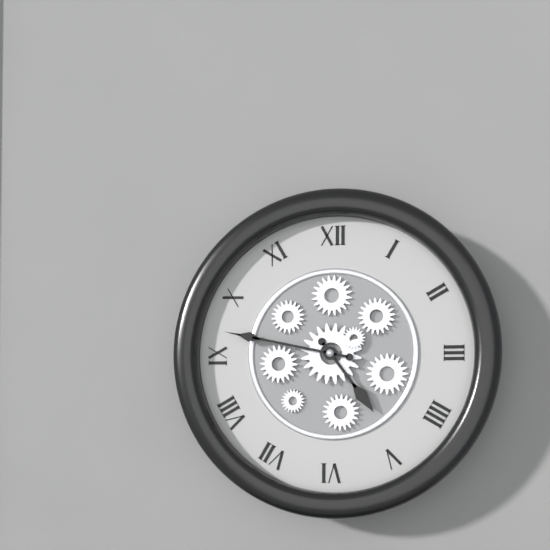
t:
4h47
